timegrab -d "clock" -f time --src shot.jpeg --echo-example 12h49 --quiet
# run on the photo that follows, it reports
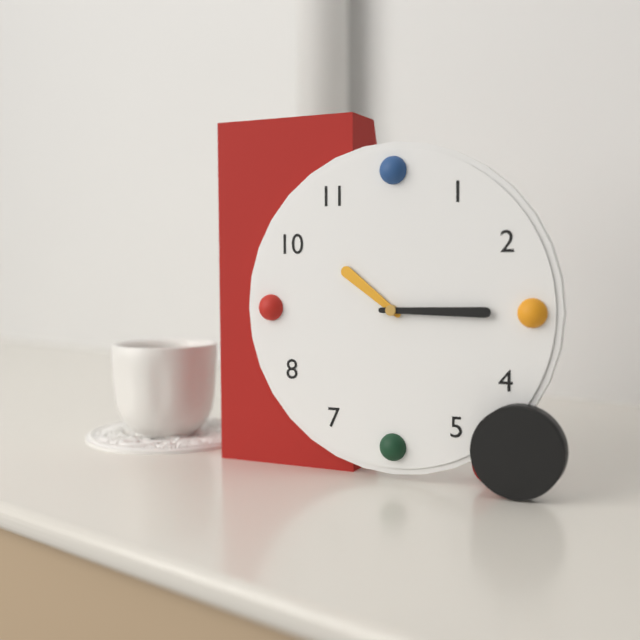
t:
10h15
